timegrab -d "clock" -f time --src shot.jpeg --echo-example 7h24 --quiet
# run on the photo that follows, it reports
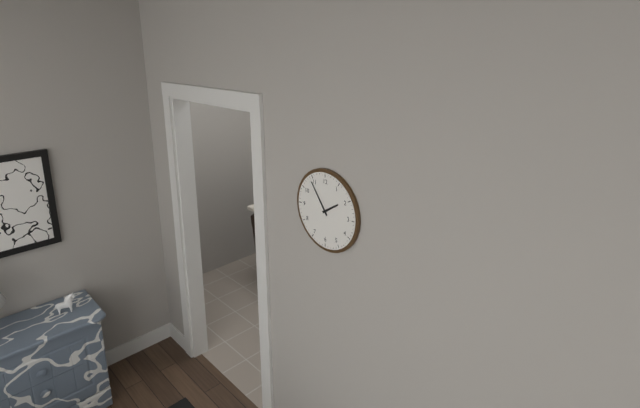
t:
1h54
